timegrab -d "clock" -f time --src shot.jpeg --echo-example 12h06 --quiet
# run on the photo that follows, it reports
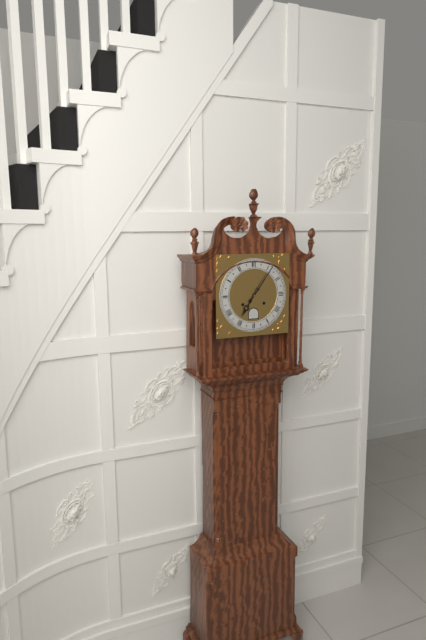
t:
7h06
